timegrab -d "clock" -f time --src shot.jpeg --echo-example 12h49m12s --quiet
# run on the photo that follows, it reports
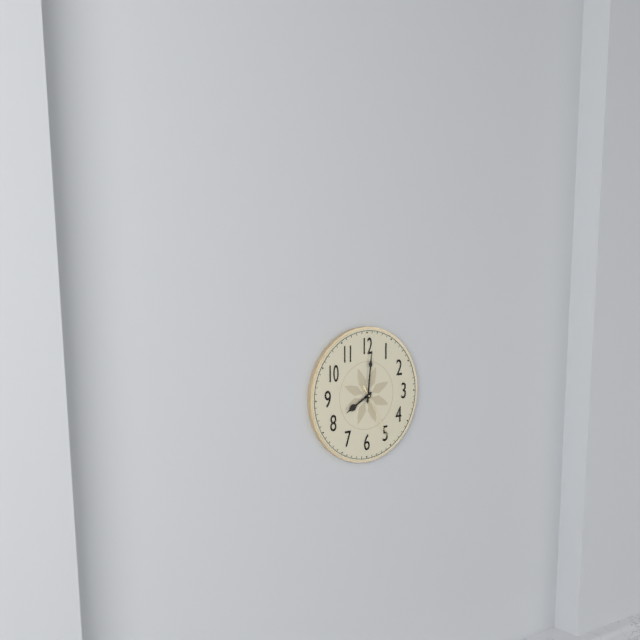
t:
8h01m25s
